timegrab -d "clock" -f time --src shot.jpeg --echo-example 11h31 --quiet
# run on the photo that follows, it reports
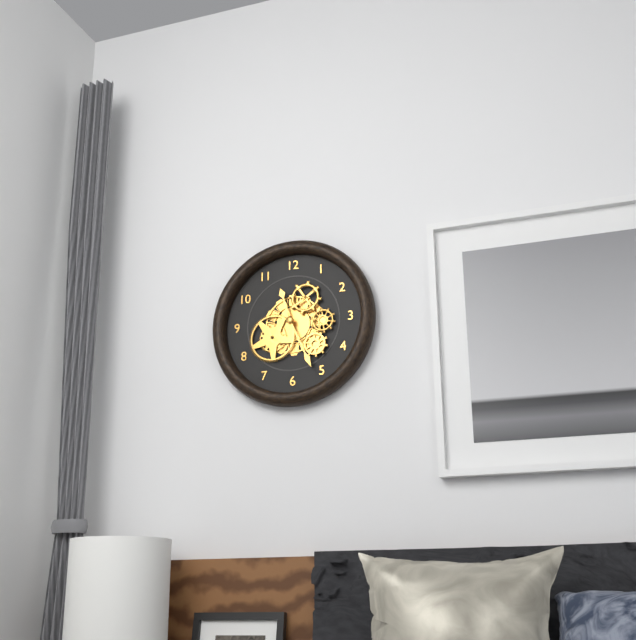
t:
11h26
